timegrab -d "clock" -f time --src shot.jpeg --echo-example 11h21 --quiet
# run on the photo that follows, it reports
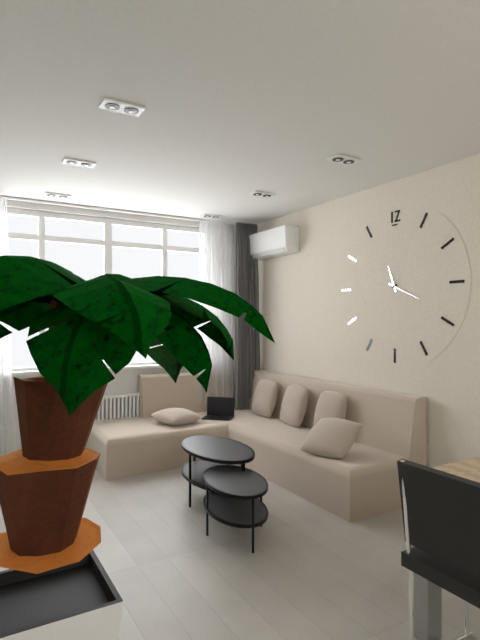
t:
11h19
